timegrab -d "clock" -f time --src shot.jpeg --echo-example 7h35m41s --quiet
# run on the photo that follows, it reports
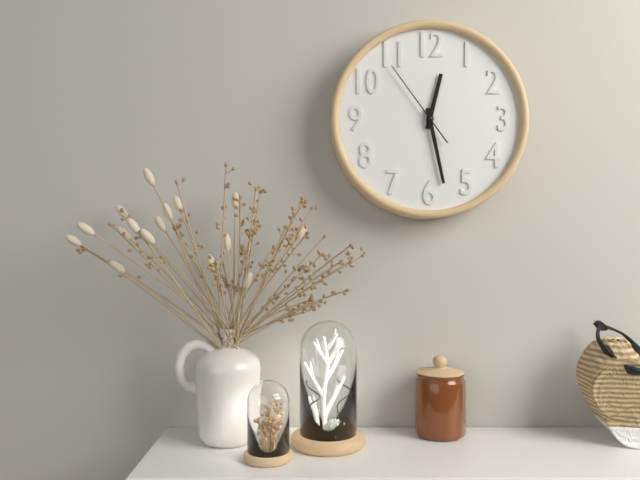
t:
12h28m54s
